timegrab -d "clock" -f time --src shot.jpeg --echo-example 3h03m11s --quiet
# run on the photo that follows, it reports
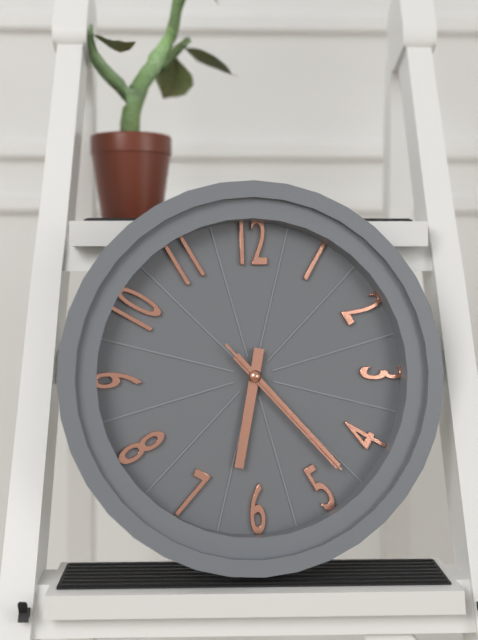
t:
6h23m23s
